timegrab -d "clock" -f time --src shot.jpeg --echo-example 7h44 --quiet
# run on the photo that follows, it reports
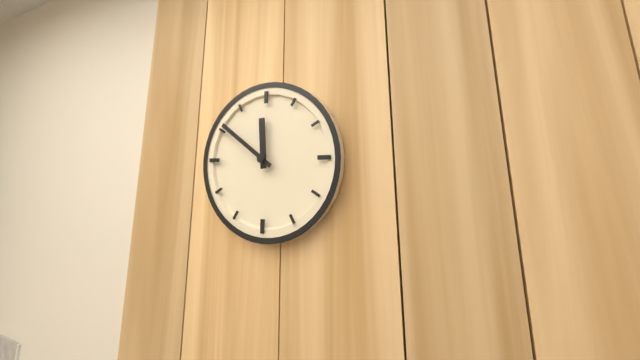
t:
11h51
